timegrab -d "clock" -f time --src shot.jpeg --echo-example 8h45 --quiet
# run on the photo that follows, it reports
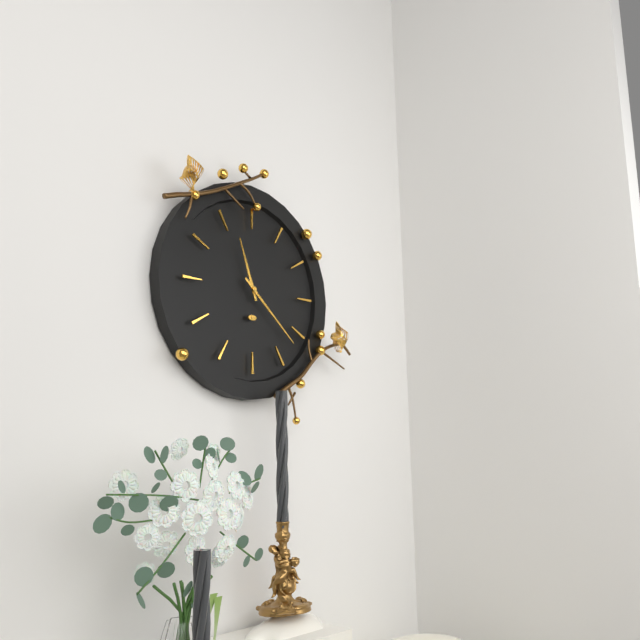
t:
11h22
